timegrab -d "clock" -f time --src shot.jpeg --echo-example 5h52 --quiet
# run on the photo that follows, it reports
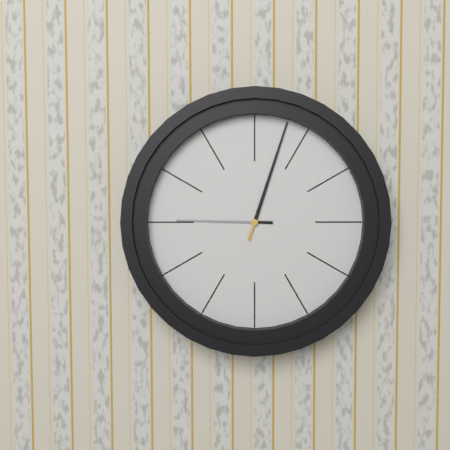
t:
9h03
